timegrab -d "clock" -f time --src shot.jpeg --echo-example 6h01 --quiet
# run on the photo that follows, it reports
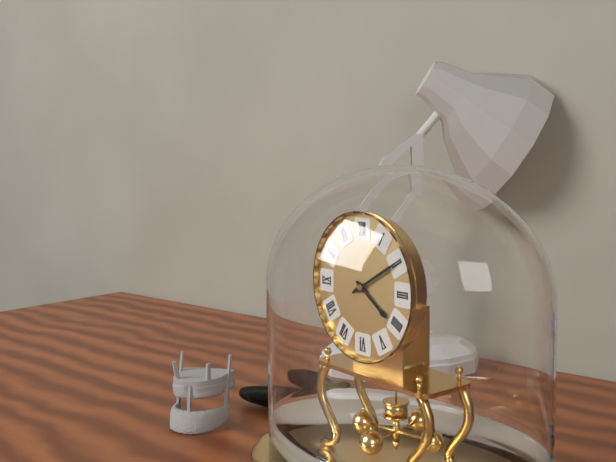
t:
4h10
